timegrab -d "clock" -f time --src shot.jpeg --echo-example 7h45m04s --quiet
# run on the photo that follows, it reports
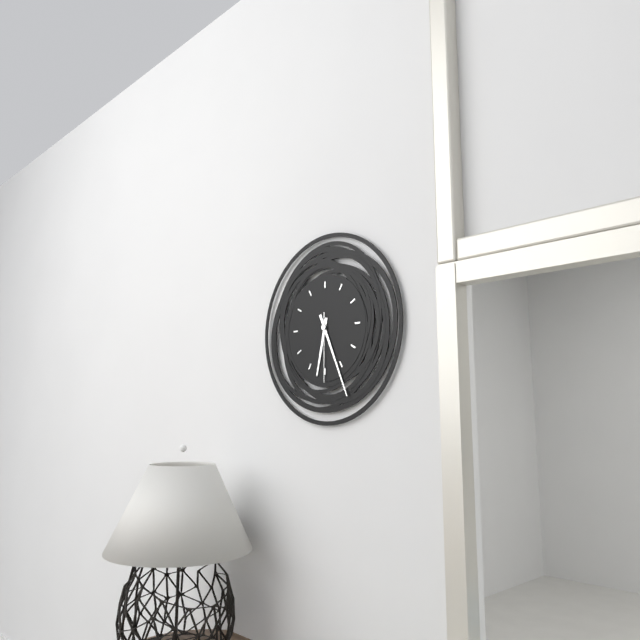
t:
6h26m30s
